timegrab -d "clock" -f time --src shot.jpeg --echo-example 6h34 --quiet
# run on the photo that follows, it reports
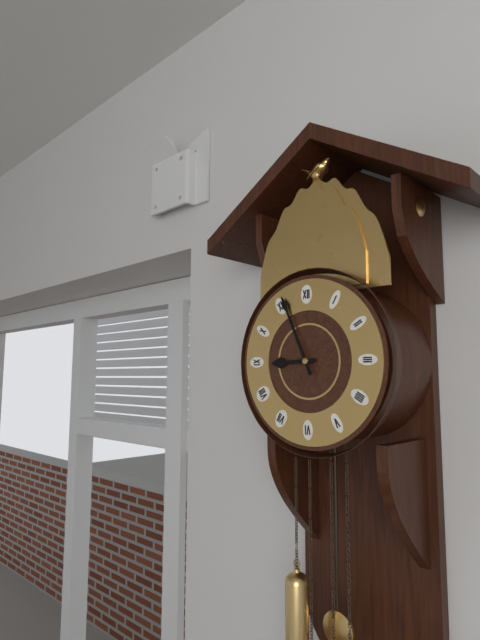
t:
8h56
